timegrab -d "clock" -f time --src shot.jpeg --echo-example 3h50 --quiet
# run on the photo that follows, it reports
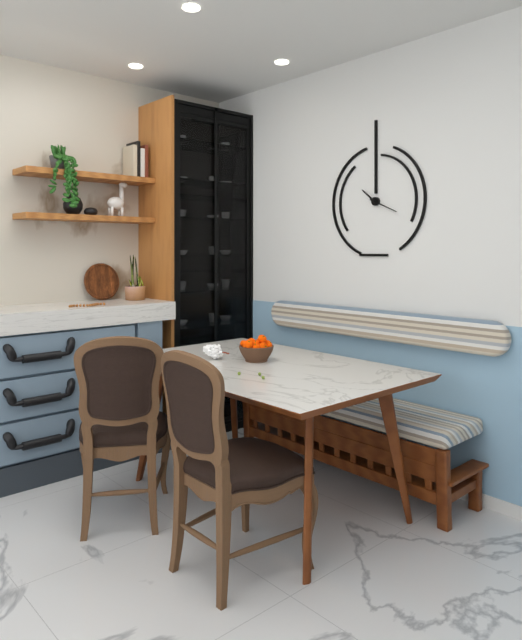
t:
10h19
